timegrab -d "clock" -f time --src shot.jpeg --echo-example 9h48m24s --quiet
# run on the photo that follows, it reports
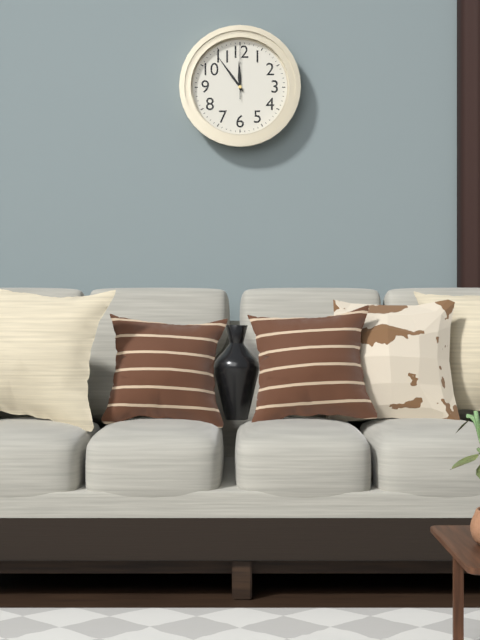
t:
11h54m00s
